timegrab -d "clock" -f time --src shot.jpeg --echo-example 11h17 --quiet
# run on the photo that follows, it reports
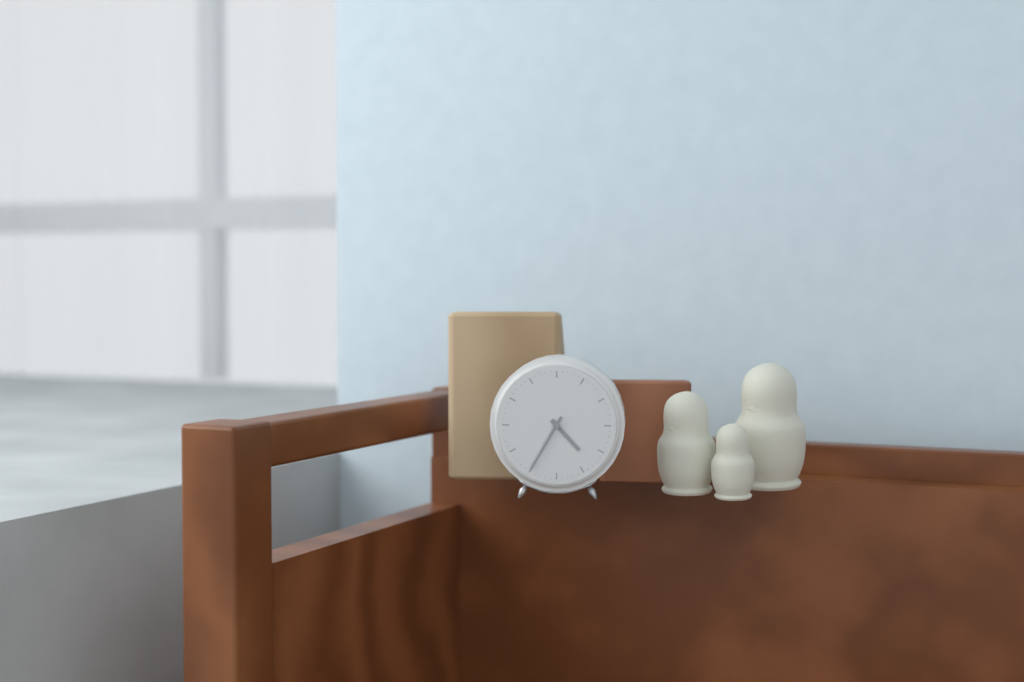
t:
4h35
